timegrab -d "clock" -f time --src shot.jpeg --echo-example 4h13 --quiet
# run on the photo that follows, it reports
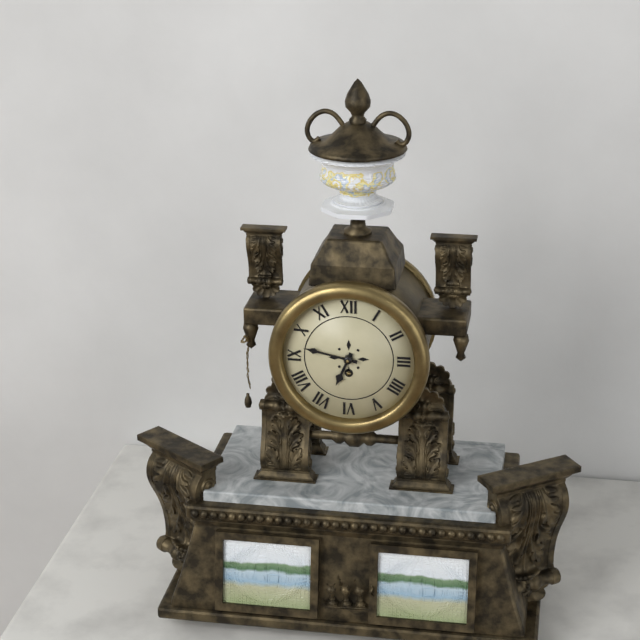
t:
6h47
